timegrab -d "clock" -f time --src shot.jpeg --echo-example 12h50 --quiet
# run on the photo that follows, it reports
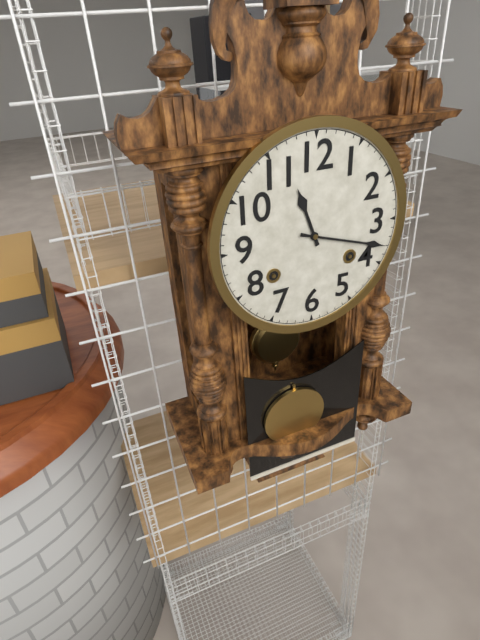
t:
11h18
